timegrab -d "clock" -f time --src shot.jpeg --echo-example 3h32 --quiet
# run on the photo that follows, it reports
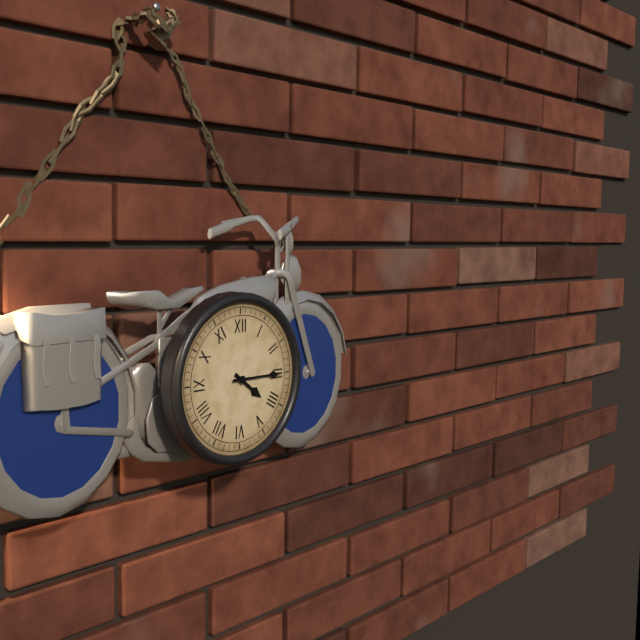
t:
4h15
